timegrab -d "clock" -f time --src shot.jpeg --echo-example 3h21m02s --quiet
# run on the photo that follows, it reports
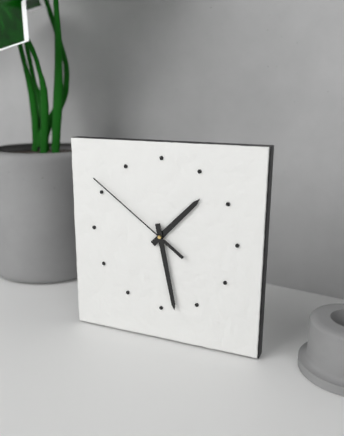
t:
1h28m51s
